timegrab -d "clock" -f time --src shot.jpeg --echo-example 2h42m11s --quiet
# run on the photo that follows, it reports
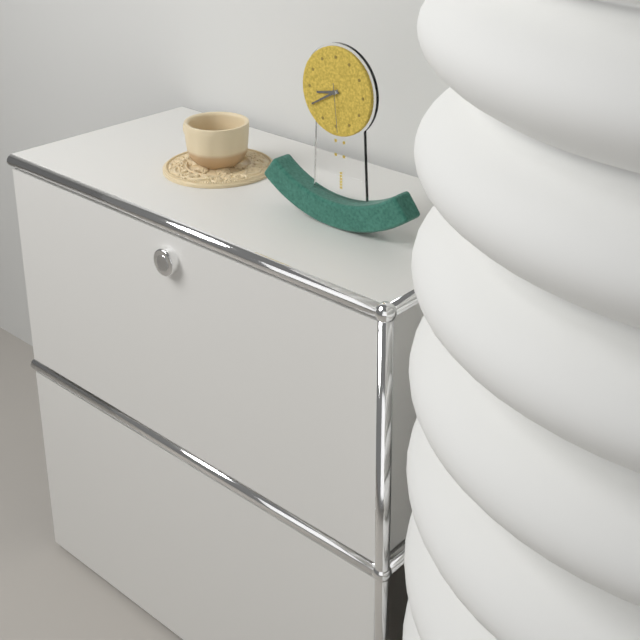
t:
8h40m29s
